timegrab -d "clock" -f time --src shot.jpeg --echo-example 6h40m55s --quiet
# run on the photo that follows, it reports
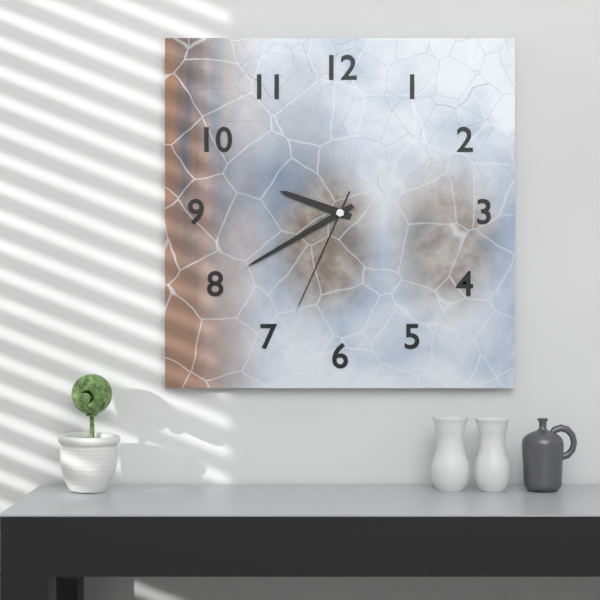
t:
9h40m34s
